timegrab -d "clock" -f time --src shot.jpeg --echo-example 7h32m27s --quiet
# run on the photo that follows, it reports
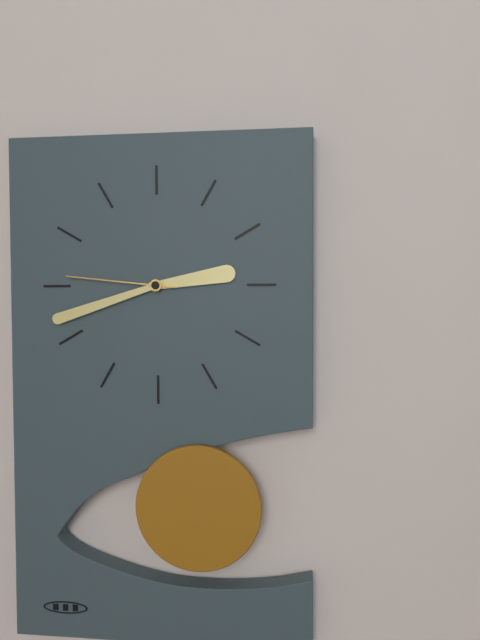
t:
2h42m46s
